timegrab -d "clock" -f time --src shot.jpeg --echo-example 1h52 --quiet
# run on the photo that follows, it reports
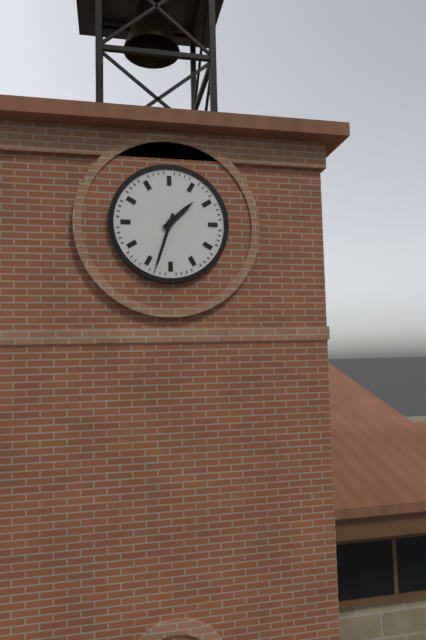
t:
1h33
